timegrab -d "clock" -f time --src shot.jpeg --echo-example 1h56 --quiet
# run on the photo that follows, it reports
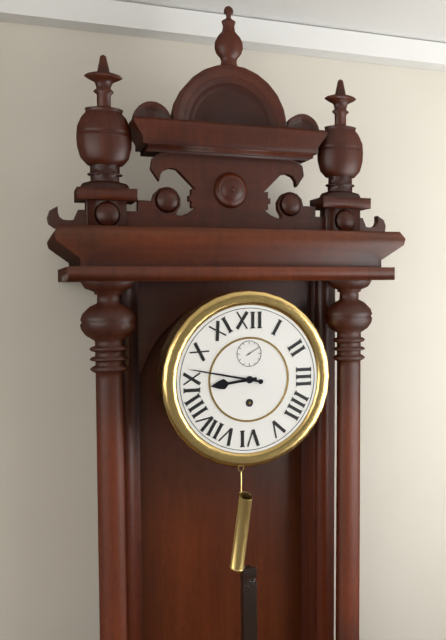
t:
8h47
